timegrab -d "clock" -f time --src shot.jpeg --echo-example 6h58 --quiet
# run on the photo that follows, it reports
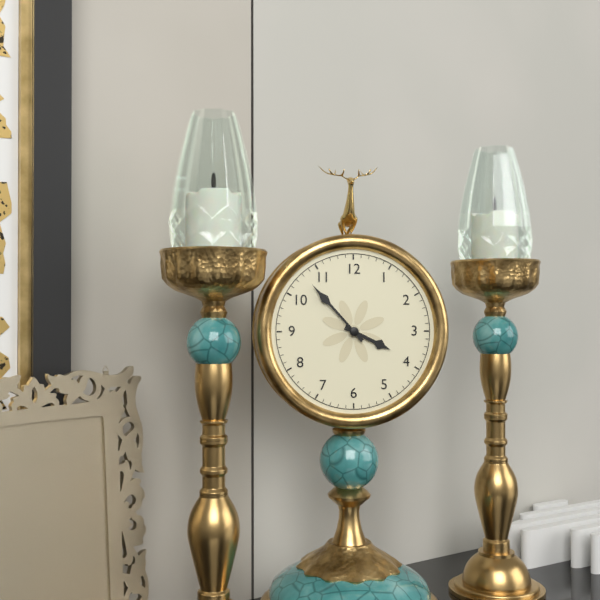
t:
3h53
